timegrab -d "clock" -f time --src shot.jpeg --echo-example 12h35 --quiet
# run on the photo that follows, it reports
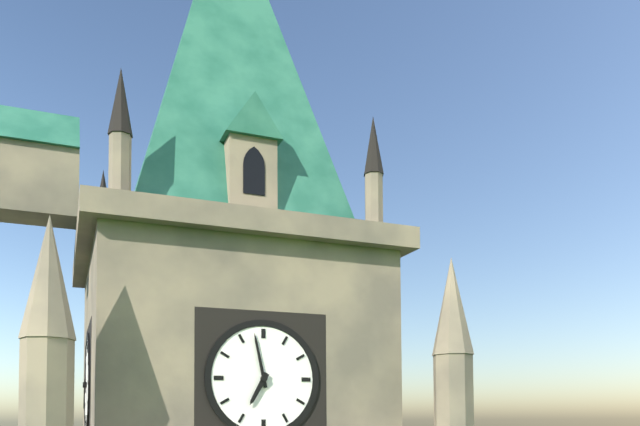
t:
6h58
